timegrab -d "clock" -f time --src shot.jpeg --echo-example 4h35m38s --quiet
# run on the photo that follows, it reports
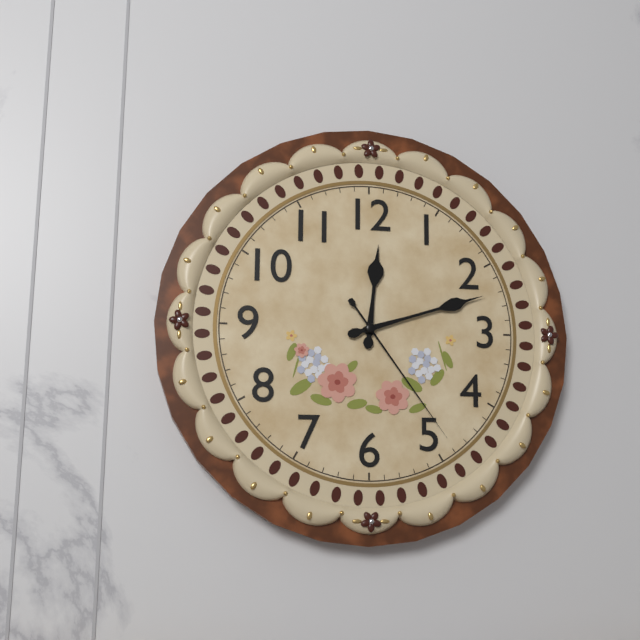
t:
12h12m24s
